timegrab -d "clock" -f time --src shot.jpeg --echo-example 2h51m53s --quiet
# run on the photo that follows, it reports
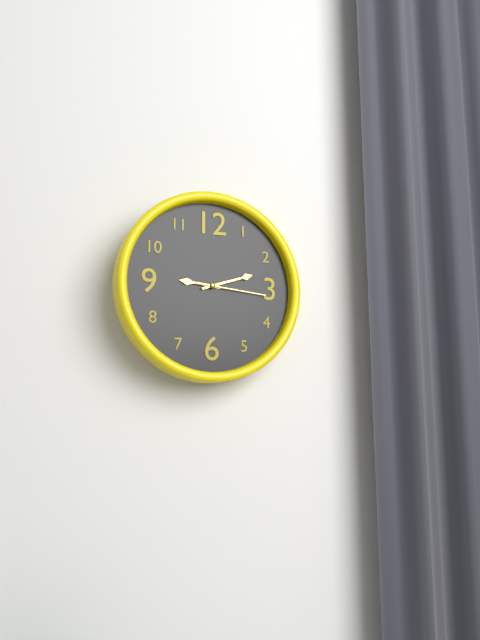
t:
9h12m16s
